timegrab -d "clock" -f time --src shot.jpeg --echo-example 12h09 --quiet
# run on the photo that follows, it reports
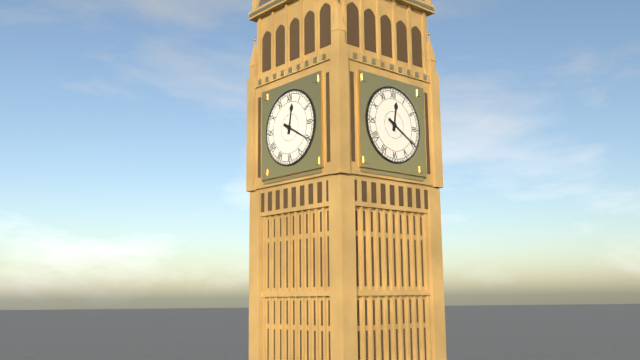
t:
12h20
